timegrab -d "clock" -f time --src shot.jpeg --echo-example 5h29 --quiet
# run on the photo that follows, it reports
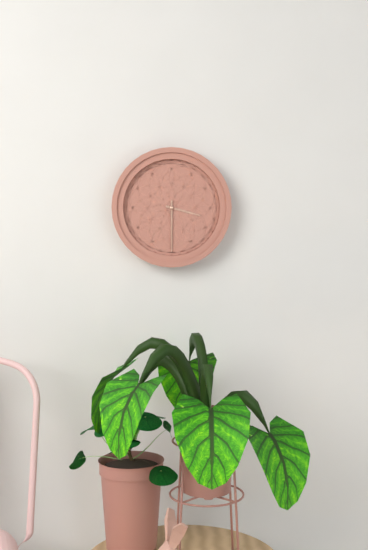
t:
3h30
